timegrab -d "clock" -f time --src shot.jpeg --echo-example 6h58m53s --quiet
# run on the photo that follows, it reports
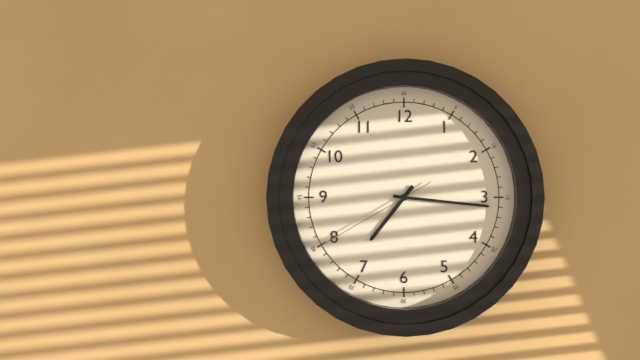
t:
7h16m40s
